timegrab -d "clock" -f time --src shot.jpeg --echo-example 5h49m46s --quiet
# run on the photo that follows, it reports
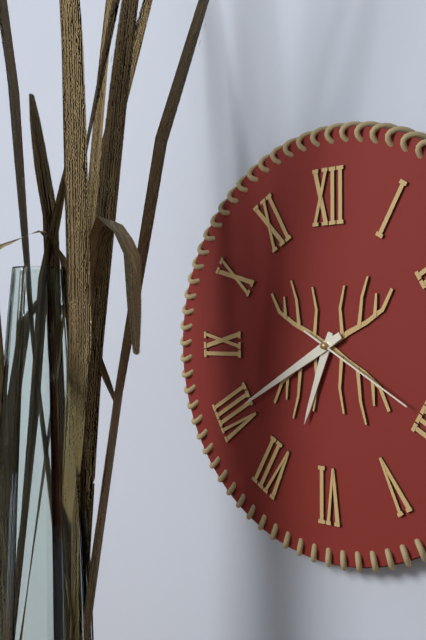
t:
6h40m20s
